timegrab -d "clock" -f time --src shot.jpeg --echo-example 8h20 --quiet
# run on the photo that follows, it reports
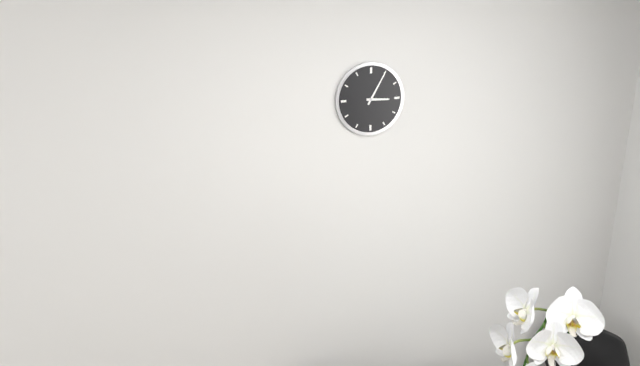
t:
3h05
